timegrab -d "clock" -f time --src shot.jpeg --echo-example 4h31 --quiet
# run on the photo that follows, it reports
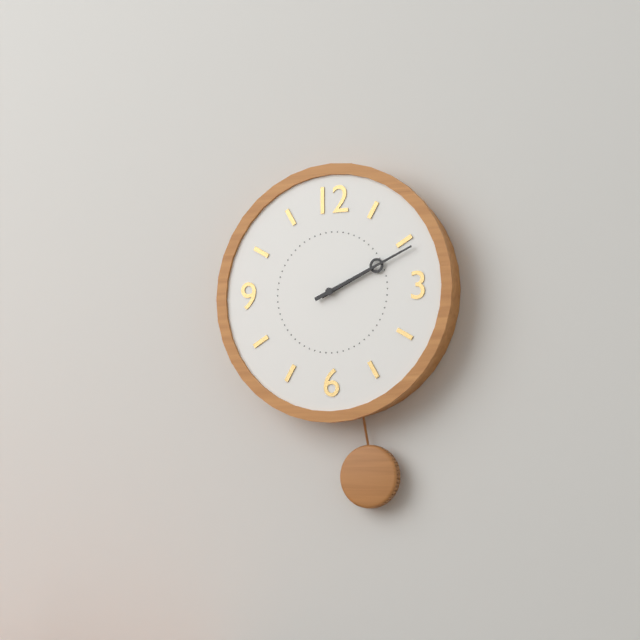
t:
2h11
